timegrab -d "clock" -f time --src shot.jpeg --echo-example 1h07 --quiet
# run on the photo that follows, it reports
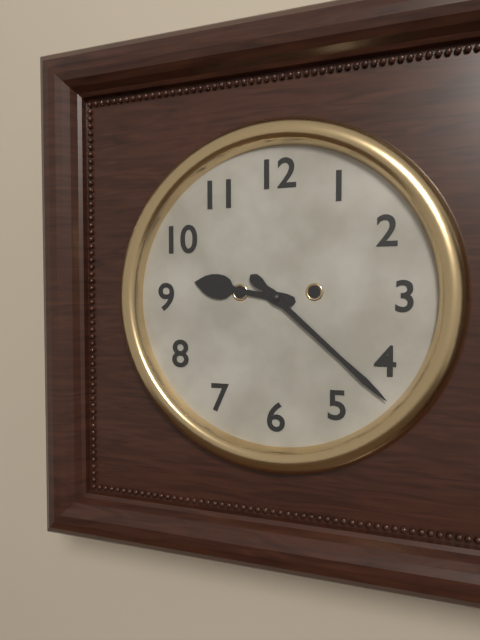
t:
9h22
